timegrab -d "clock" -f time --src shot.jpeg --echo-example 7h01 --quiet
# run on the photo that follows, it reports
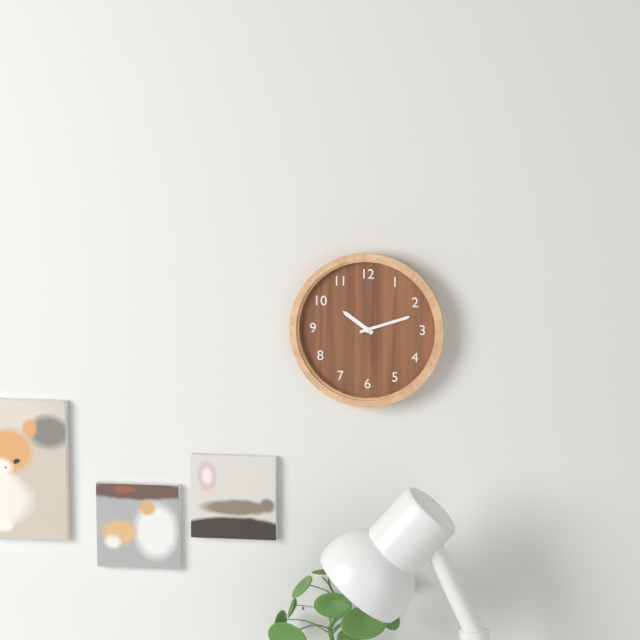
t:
10h12
